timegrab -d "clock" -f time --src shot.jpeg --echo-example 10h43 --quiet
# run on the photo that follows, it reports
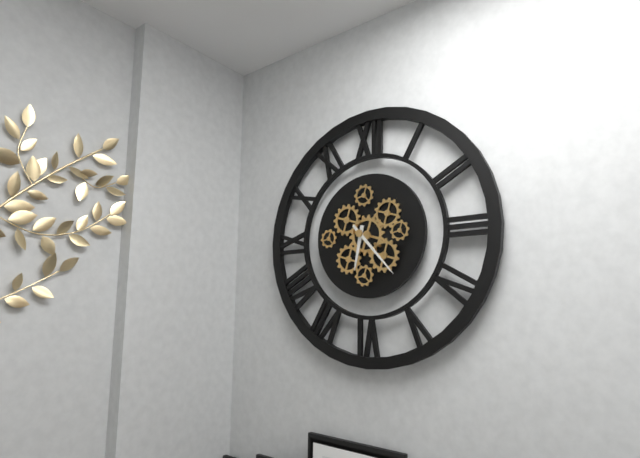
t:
6h23
